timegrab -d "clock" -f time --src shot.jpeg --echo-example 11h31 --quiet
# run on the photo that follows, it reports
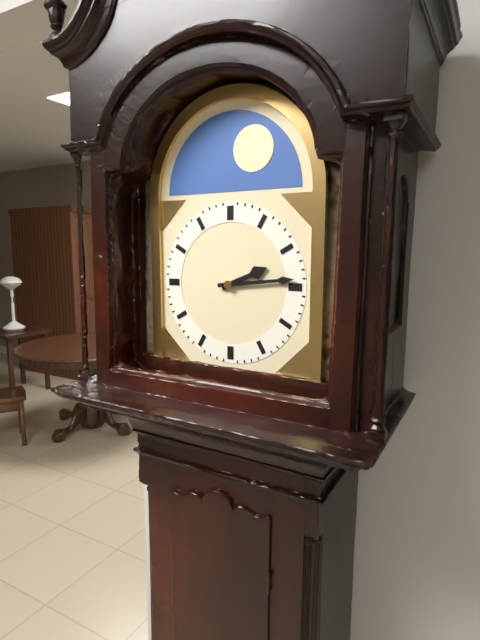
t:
2h14
